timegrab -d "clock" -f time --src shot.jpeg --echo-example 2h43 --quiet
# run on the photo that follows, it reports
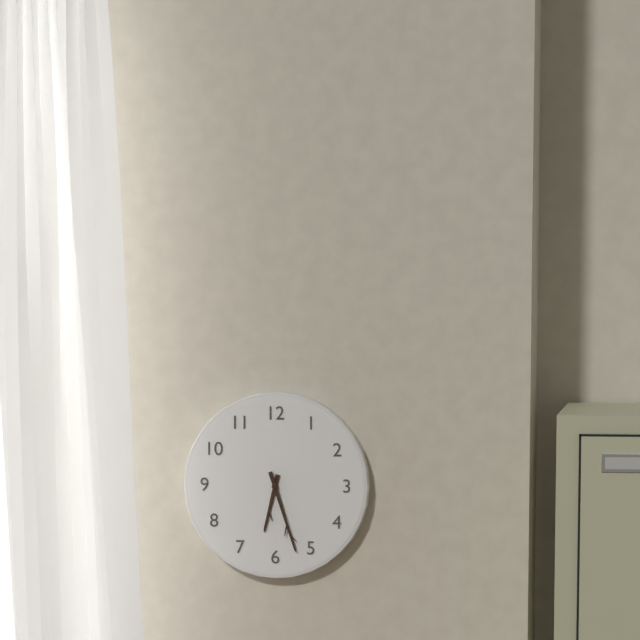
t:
6h27
